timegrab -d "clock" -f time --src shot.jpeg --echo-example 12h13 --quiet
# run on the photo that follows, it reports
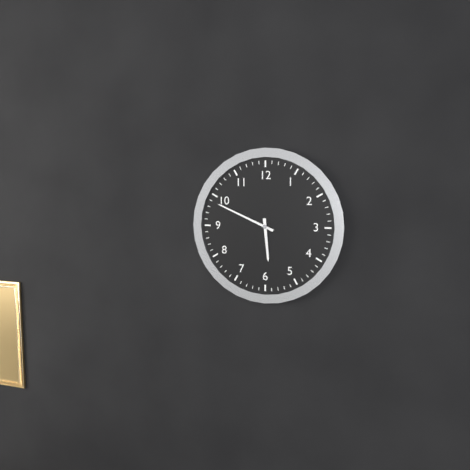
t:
5h49
